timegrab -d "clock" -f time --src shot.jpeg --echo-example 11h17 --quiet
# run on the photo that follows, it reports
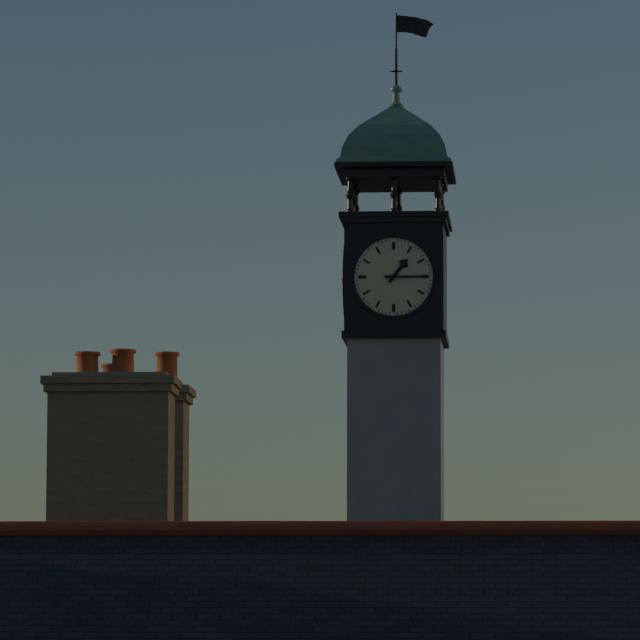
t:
1h15
